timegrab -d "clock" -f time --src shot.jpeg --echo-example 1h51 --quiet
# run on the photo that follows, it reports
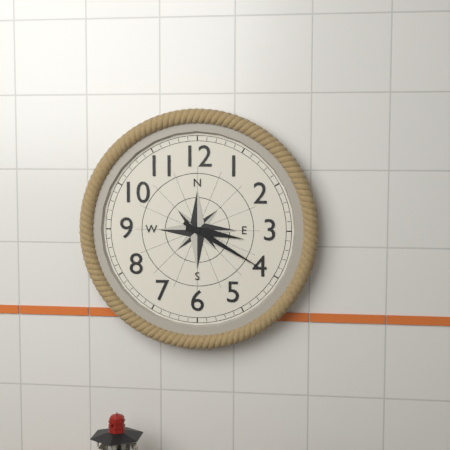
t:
3h20
